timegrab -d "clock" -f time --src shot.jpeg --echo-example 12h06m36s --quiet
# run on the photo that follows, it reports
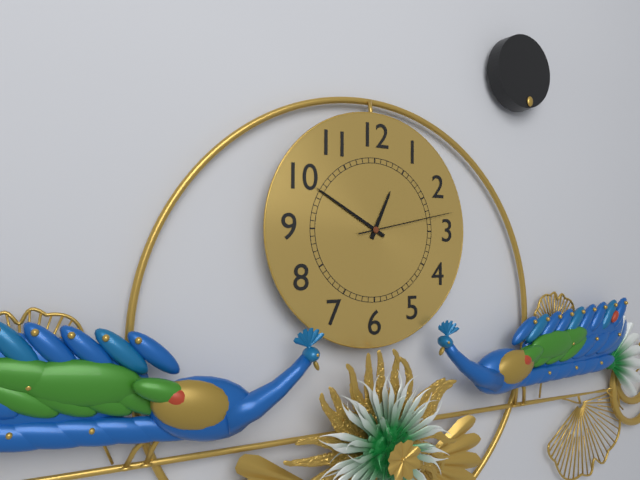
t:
12h50m13s
